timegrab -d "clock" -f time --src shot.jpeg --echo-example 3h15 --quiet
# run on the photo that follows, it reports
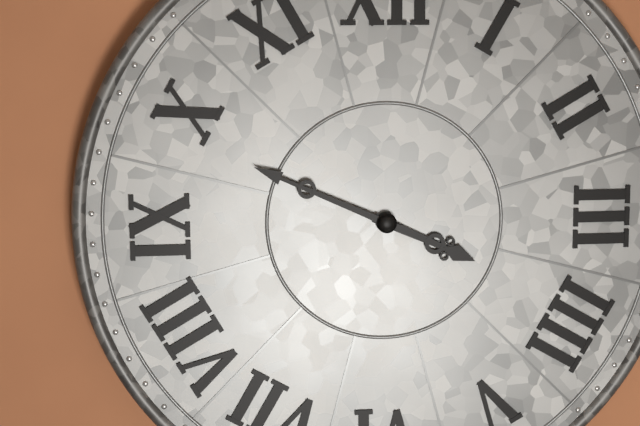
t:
3h49
